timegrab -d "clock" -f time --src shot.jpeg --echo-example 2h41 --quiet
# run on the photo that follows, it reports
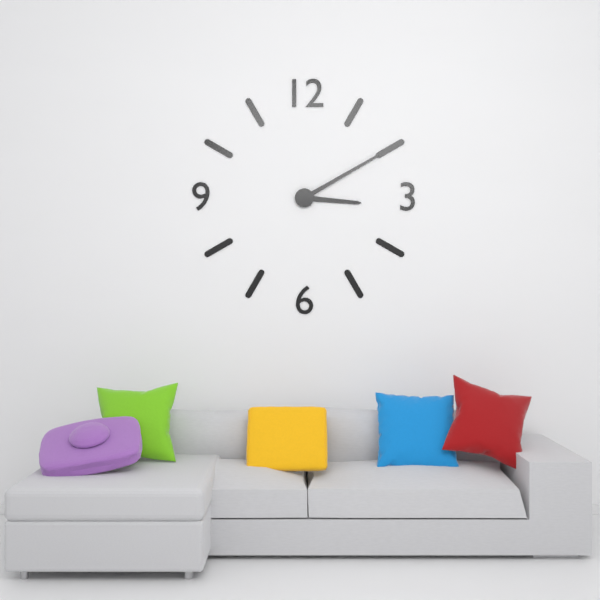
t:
3h10
